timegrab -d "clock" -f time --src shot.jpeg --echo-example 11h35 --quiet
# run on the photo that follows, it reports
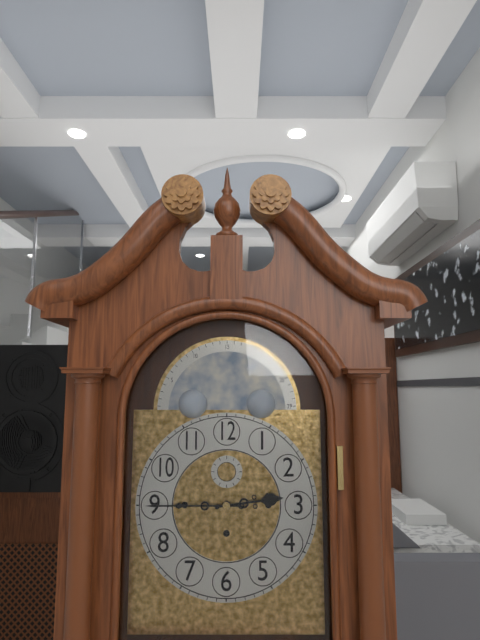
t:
2h45
